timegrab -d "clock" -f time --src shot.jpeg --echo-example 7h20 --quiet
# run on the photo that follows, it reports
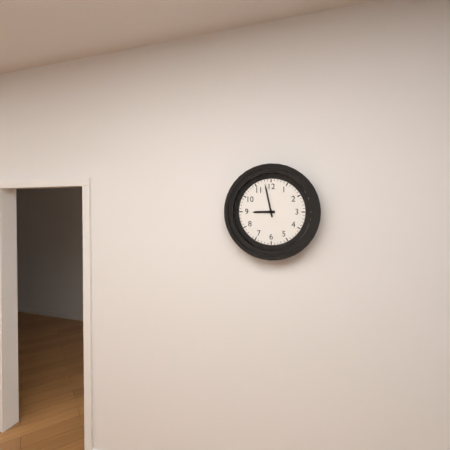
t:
8h58
